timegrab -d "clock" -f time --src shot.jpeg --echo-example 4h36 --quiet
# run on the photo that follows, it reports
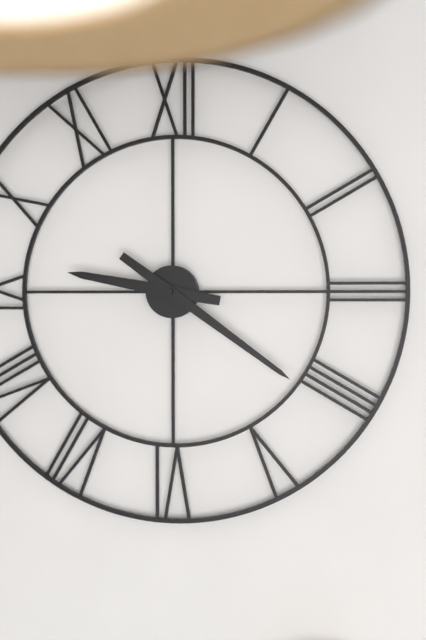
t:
9h21
